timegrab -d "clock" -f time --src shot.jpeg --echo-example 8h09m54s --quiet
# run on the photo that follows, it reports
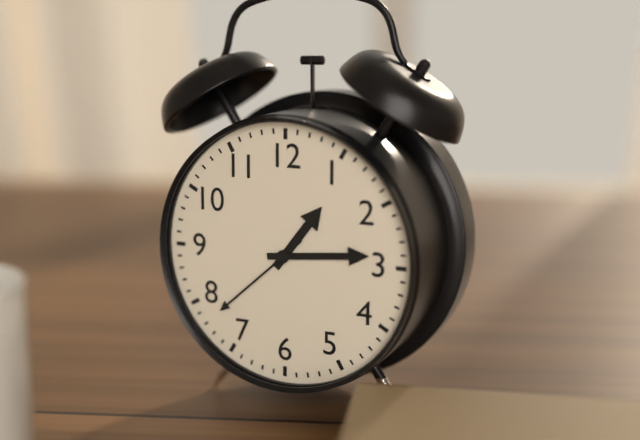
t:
1h14m38s
